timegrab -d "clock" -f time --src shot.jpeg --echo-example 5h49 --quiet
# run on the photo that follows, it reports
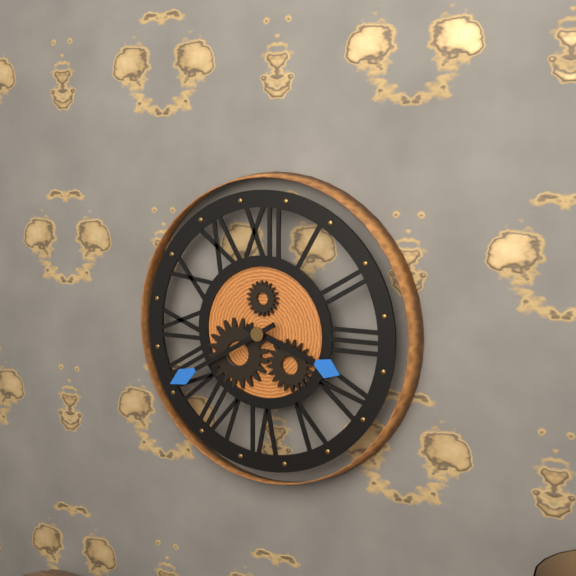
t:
3h40
